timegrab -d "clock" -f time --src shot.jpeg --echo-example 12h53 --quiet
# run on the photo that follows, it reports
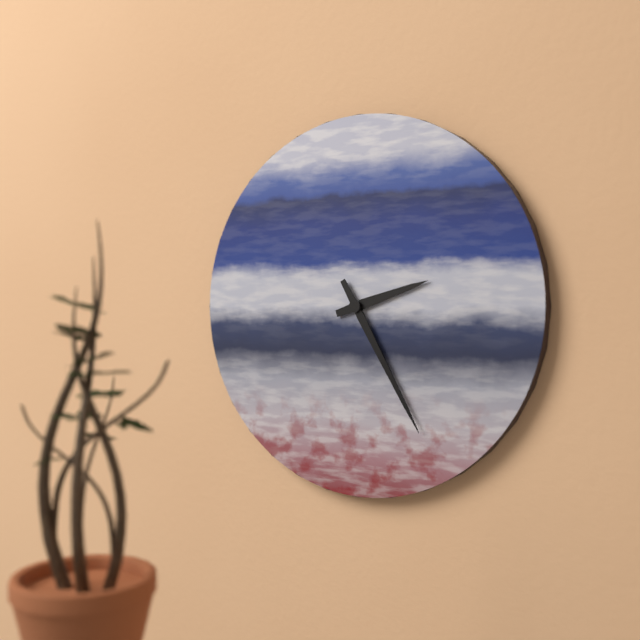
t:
2h25
